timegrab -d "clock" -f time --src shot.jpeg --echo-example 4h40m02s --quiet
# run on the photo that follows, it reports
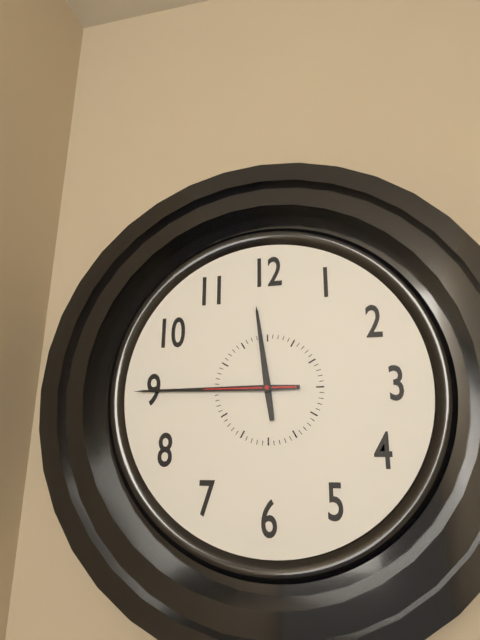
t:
11h45m45s
